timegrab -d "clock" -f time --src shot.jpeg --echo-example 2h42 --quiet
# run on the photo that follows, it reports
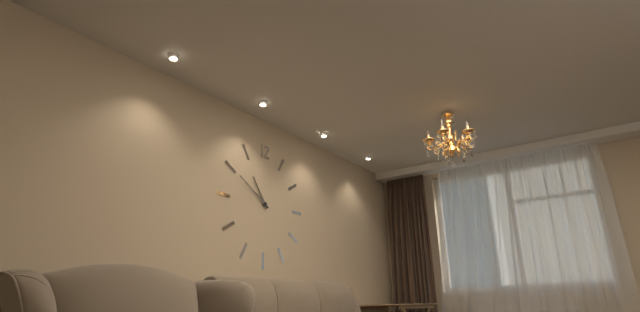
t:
10h50
